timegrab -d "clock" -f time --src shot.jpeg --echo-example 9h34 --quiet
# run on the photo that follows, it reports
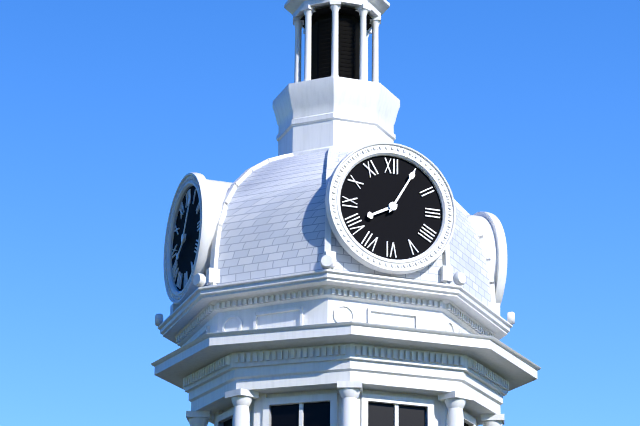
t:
8h05
